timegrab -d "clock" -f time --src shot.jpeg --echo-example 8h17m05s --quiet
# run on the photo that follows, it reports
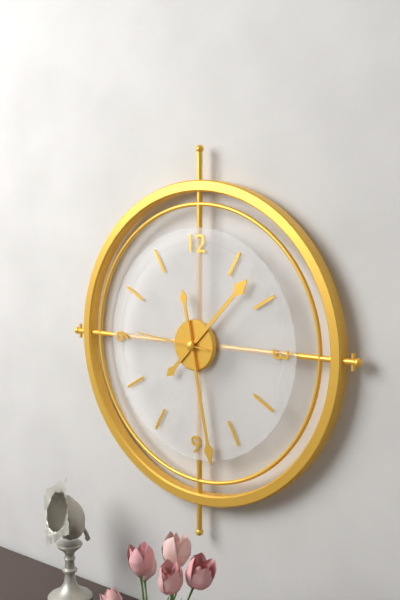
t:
1h28m46s
